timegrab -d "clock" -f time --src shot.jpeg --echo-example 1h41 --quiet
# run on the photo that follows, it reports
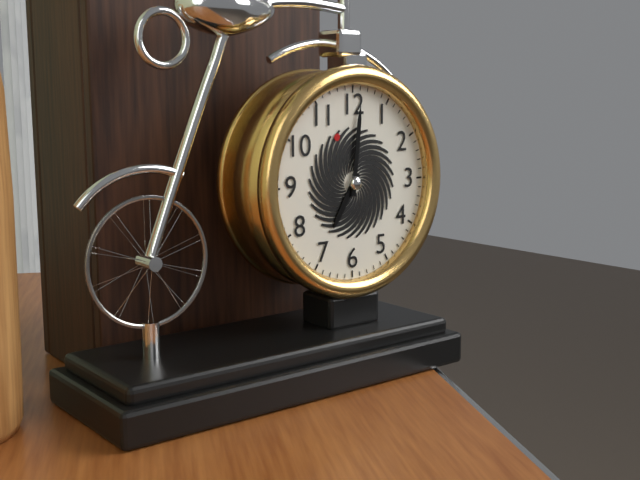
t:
7h01
